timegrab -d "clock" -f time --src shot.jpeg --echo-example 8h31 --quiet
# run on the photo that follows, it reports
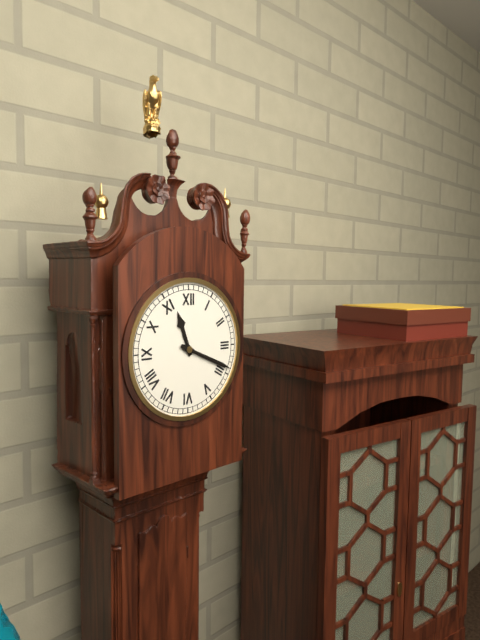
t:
11h19
